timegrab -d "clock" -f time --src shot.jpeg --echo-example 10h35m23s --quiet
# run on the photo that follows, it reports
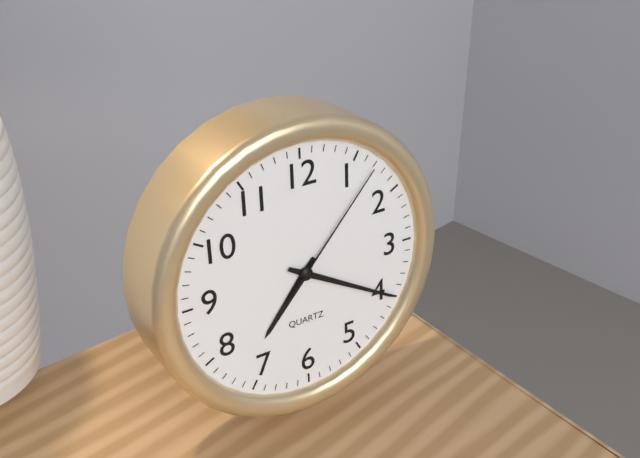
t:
7h20m07s
